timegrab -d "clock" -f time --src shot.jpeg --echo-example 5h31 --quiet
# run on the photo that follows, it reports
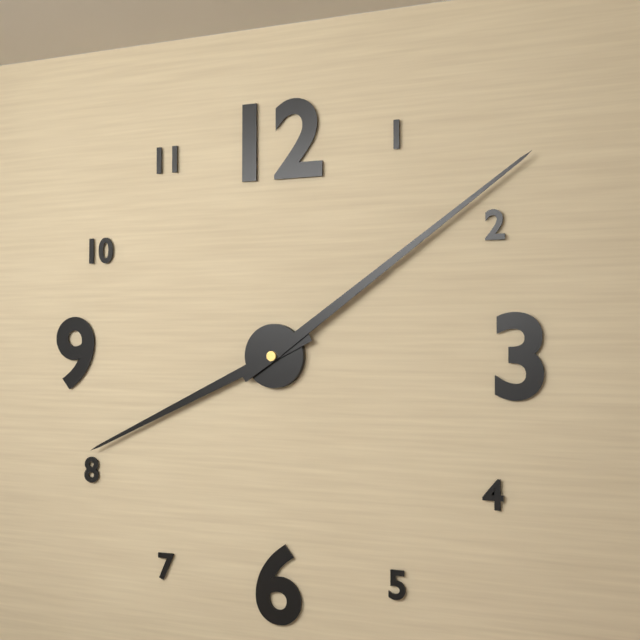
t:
8h09
